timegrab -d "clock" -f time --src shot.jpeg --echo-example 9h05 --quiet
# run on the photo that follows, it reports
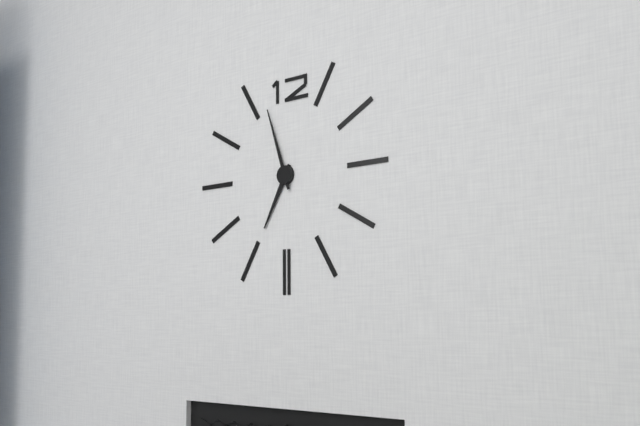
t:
6h57
